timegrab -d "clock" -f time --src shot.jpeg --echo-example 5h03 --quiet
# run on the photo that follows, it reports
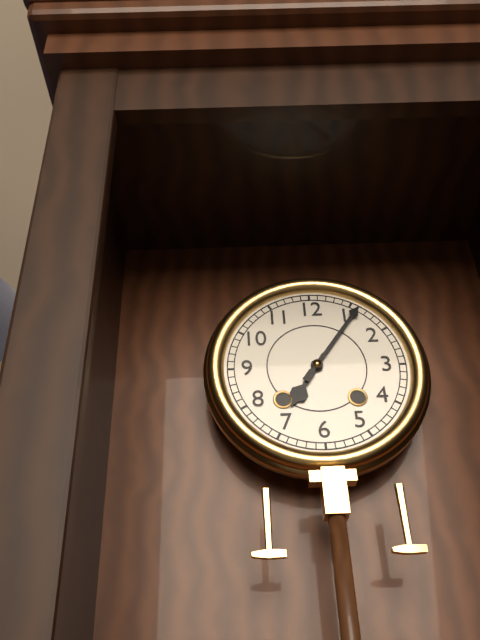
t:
7h06
